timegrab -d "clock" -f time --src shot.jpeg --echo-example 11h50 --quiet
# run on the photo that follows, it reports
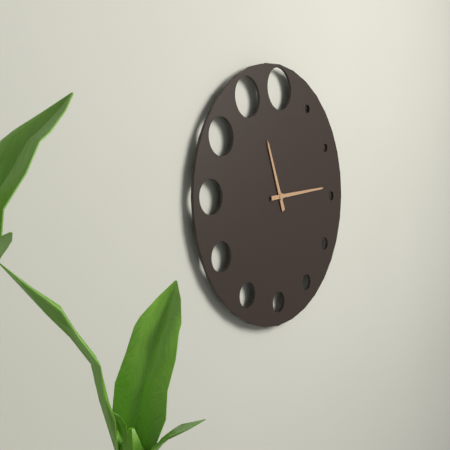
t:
11h14
